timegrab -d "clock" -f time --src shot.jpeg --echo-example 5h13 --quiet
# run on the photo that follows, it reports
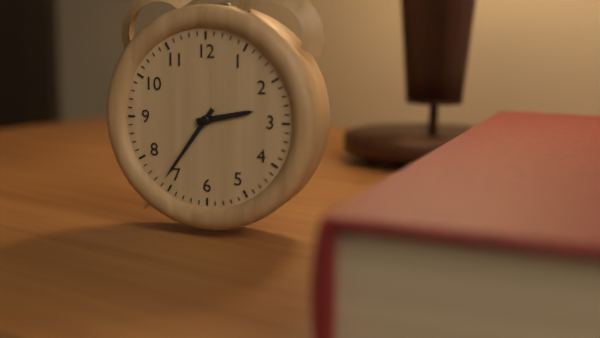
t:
2h36
